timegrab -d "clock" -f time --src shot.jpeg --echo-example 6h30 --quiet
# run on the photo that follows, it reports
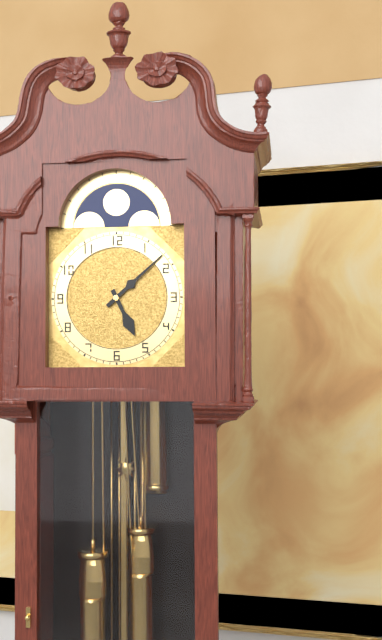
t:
5h08
